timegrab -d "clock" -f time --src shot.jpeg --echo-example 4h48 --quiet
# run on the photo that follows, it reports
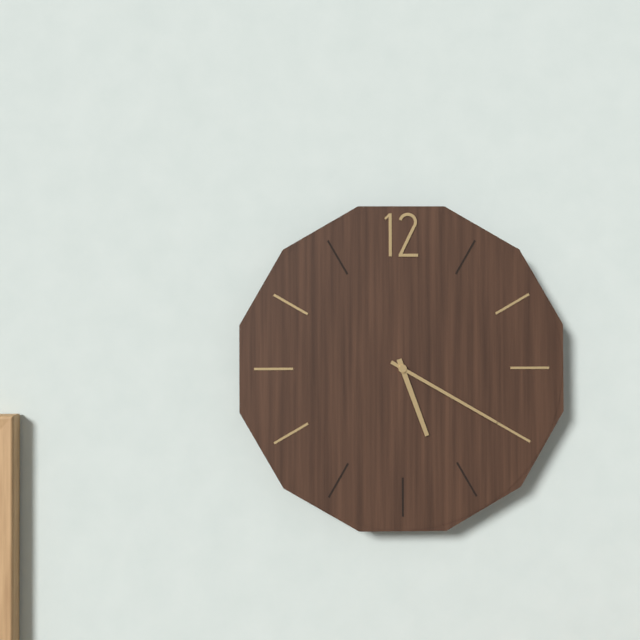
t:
5h20
